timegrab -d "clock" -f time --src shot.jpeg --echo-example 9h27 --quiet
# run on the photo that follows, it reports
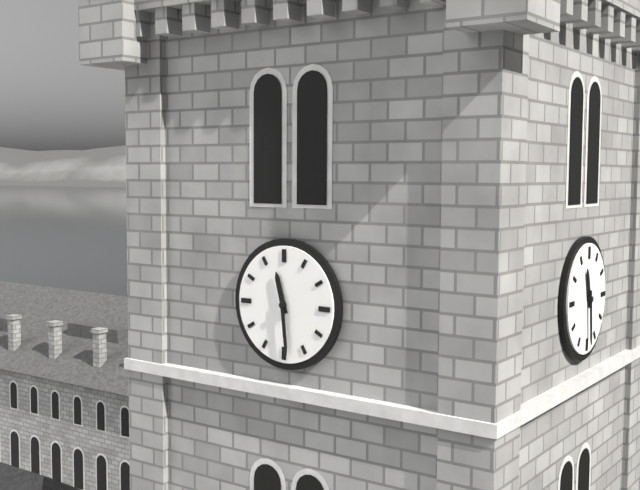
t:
11h29
